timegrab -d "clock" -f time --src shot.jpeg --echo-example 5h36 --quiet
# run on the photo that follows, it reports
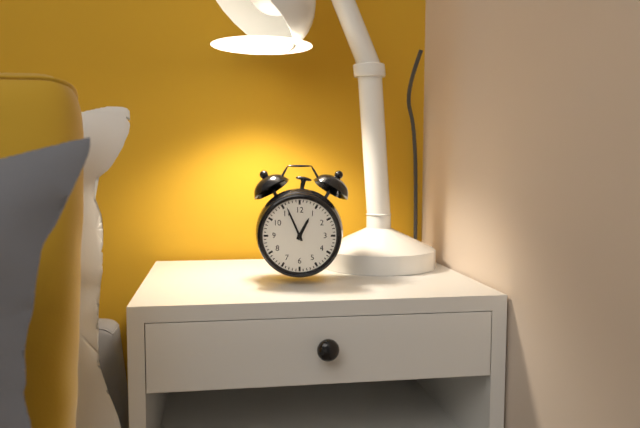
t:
12h56
